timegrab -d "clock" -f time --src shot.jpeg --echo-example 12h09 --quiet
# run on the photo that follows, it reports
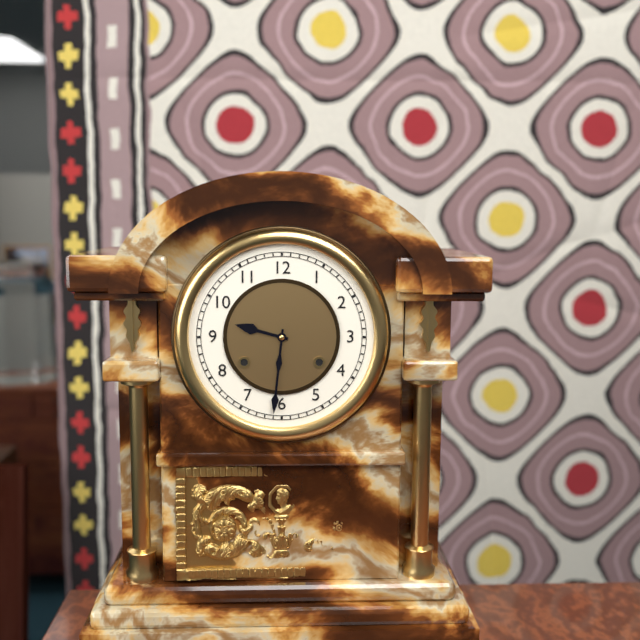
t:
9h31
